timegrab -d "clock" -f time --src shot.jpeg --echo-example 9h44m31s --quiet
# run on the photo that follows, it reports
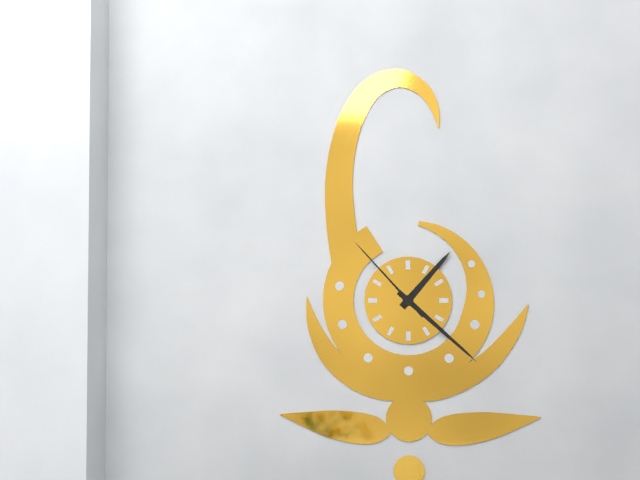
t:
1h22m53s
